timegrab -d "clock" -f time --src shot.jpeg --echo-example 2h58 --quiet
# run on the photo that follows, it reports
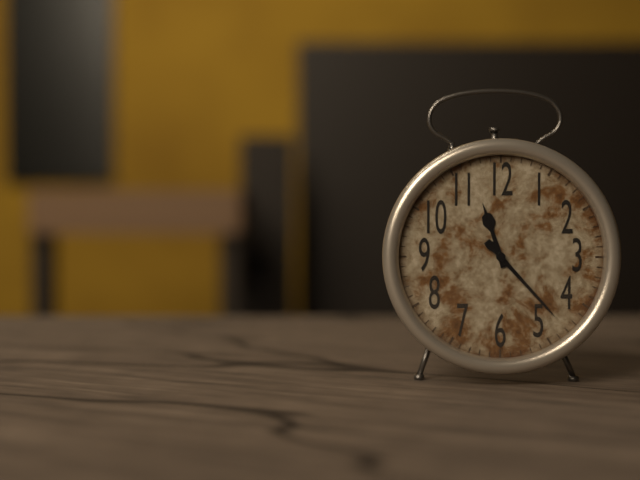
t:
11h23
